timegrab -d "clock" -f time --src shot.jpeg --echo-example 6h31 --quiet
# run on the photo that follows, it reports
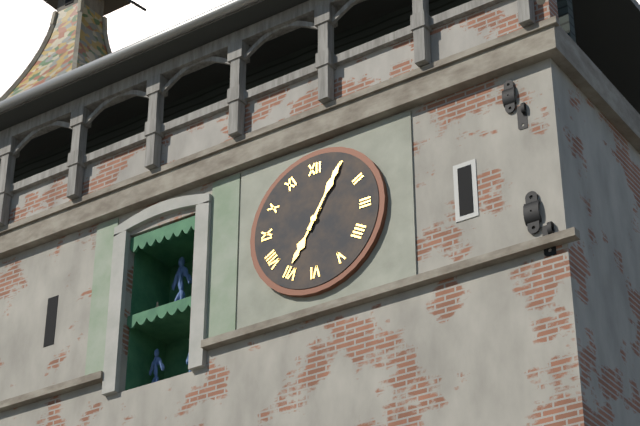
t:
7h05
